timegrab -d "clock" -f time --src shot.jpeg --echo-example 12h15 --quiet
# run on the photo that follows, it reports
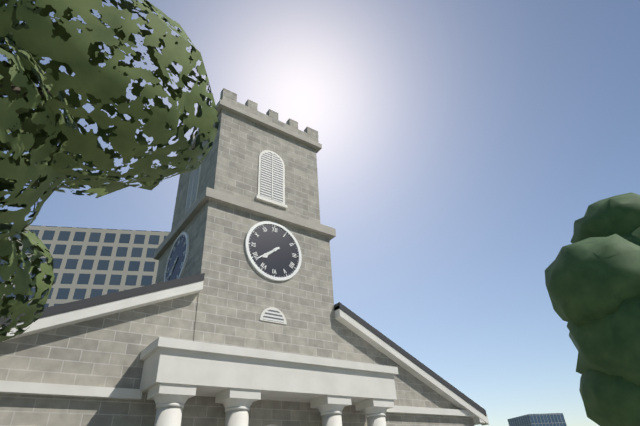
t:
7h39
